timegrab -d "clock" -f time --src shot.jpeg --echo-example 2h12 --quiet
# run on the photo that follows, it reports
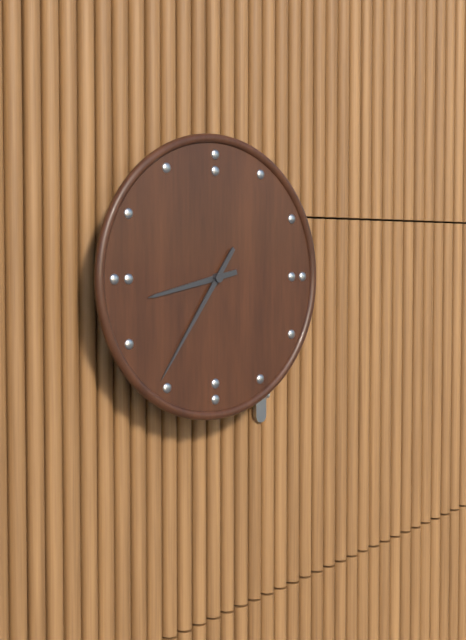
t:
8h36
